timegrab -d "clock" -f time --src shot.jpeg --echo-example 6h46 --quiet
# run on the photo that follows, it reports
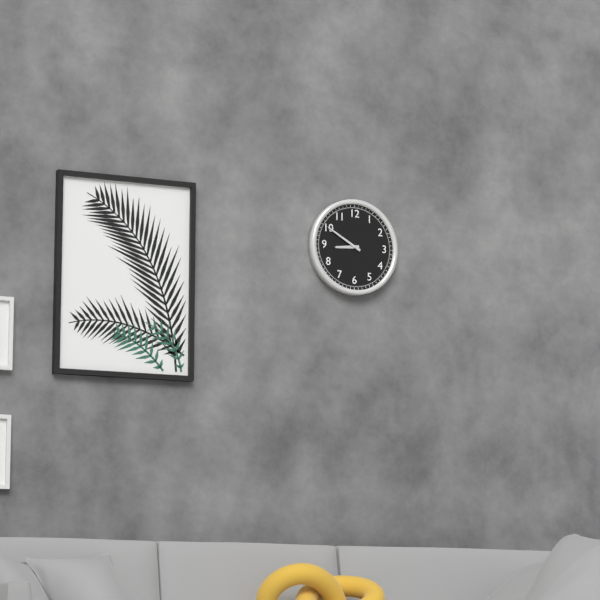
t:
8h50
